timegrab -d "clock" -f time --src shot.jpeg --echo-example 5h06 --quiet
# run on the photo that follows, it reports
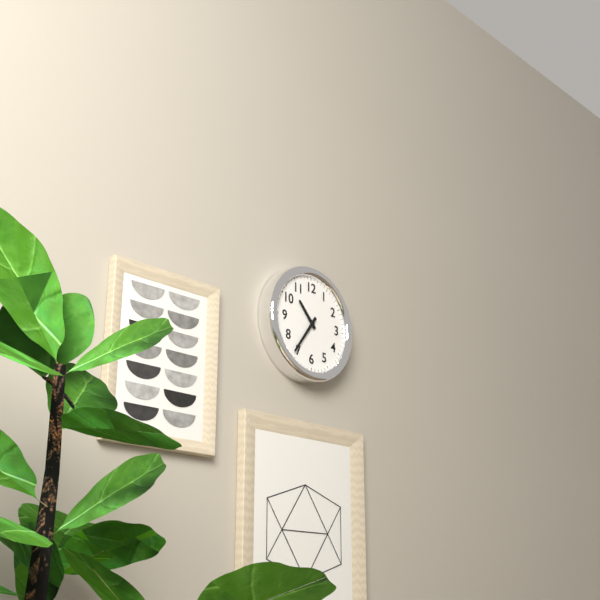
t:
10h36
